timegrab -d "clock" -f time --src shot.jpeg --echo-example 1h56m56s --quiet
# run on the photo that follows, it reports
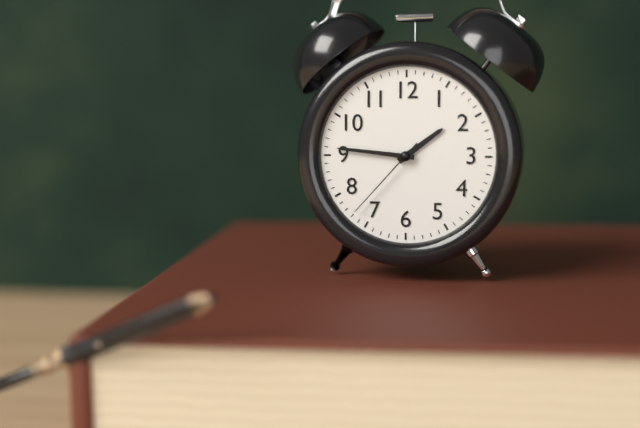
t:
1h46m37s
